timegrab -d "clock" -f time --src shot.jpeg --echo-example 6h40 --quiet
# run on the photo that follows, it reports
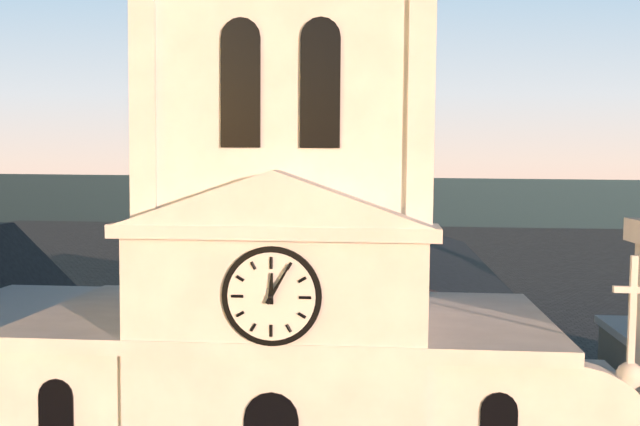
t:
12h05
